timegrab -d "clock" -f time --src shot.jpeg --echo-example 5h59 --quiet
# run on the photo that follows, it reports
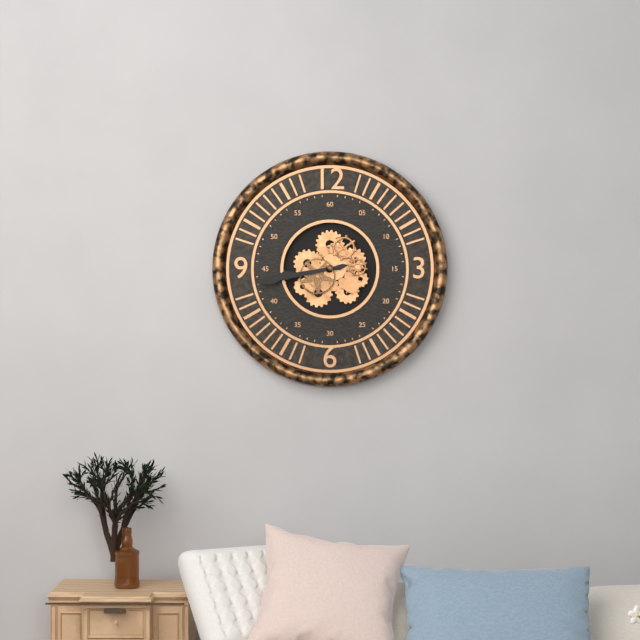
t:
8h43
